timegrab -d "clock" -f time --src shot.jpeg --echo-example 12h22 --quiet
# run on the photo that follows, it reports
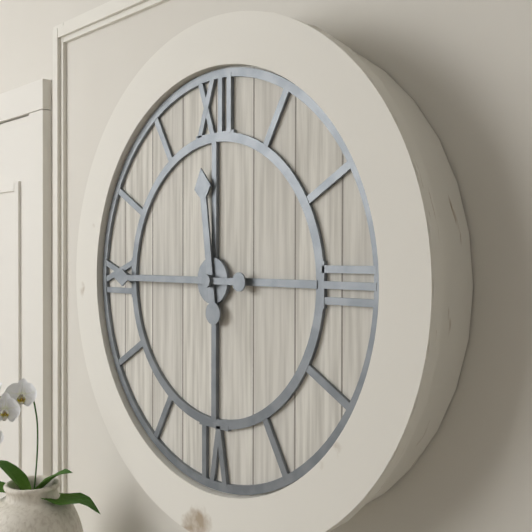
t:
11h45
